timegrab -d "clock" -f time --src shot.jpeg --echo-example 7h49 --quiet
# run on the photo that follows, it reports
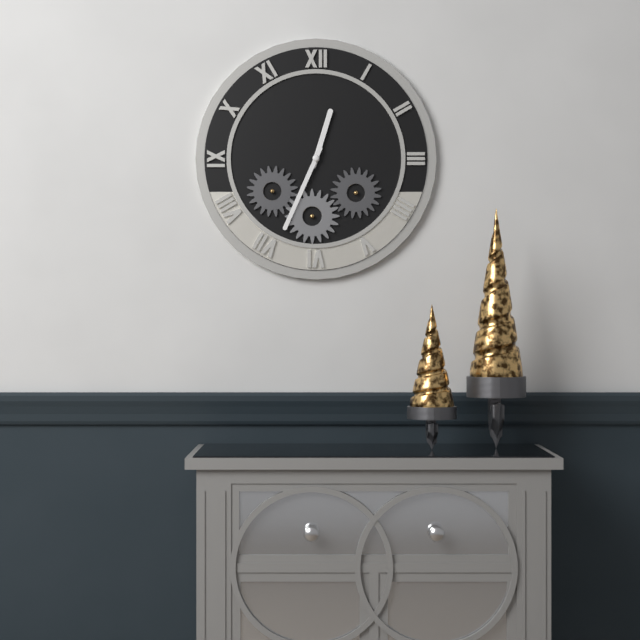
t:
12h34
